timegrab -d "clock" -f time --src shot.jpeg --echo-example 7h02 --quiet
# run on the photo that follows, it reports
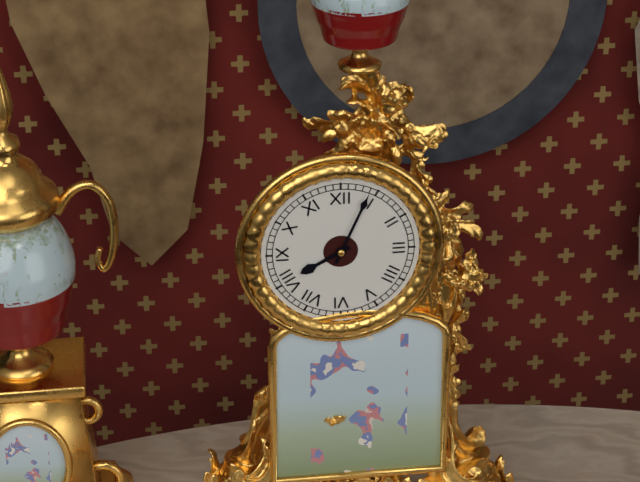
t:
8h04
